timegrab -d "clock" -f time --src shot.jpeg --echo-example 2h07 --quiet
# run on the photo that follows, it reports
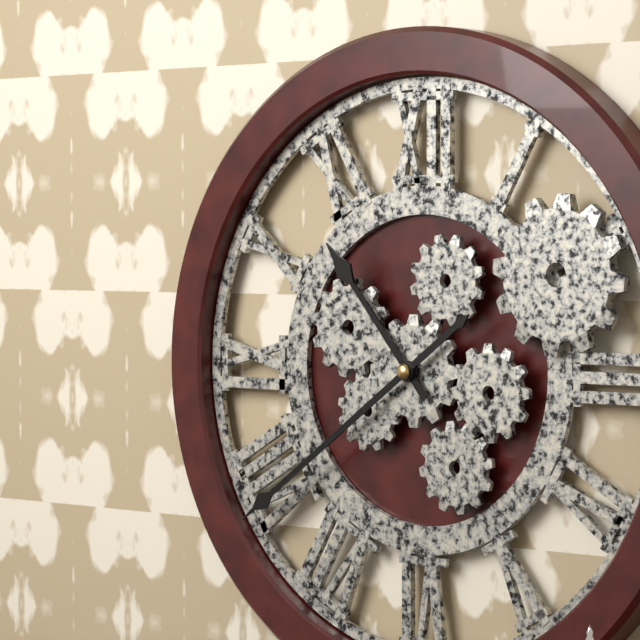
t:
10h39
